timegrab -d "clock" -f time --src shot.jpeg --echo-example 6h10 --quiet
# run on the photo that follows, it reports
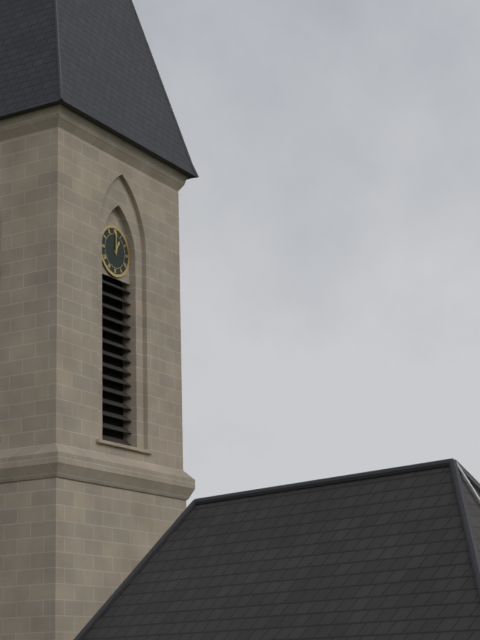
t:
1h00
